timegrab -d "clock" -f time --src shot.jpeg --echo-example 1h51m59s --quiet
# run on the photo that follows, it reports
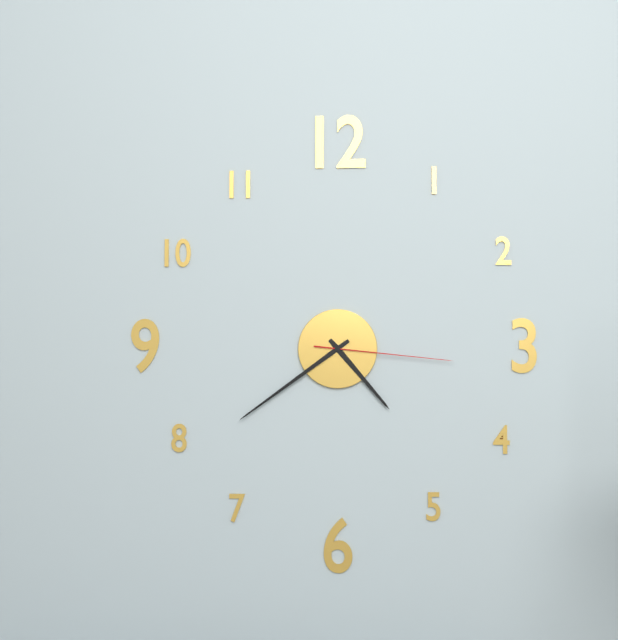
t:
4h39m16s
